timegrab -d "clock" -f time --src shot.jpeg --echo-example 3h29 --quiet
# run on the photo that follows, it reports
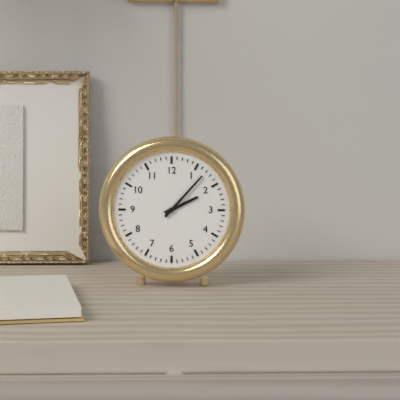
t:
2h07
